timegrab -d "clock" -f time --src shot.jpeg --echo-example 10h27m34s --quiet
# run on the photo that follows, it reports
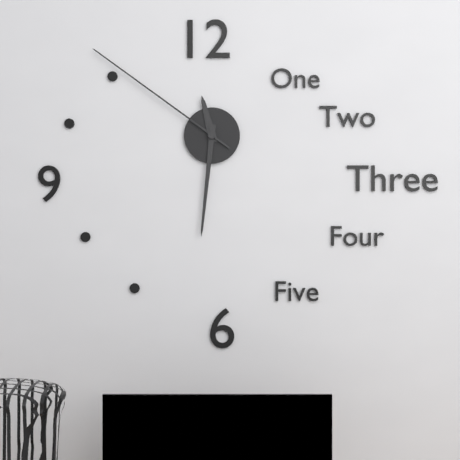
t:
11h31m51s
